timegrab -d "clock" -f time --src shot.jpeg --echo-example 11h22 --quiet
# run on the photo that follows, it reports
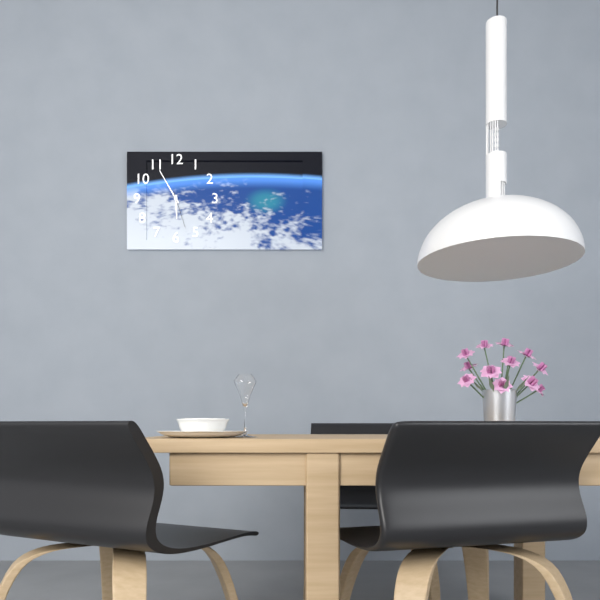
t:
5h55
